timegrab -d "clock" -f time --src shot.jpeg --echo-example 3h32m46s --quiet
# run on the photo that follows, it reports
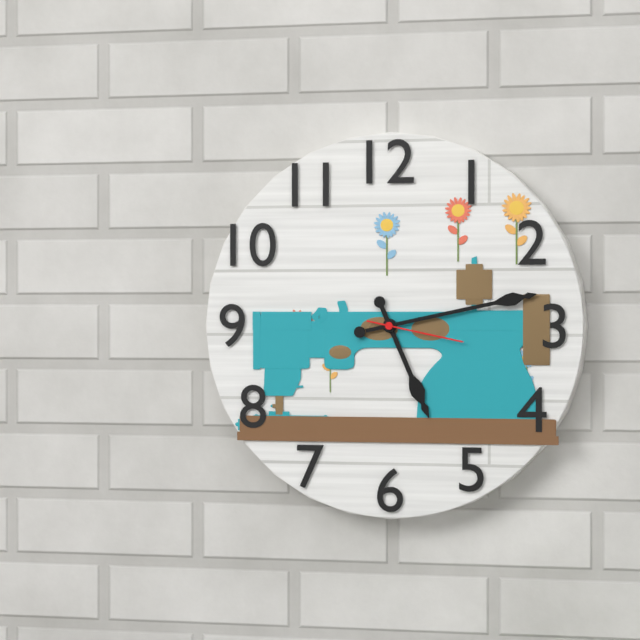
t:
5h13m17s
